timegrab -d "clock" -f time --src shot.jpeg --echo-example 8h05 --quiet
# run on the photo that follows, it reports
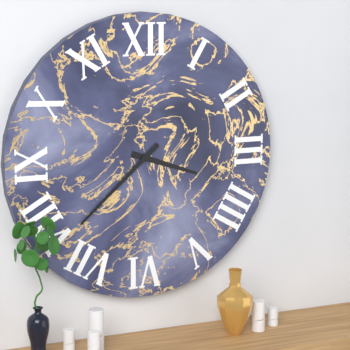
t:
3h38
